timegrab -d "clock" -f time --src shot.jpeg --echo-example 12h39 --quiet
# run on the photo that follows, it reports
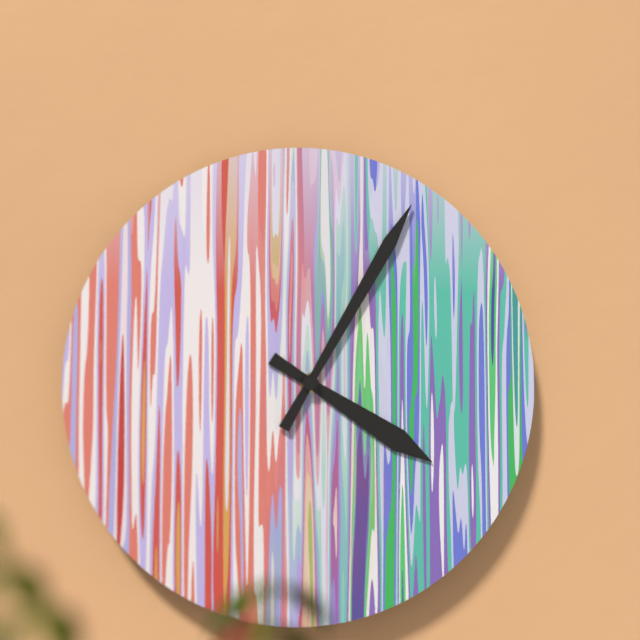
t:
4h05
